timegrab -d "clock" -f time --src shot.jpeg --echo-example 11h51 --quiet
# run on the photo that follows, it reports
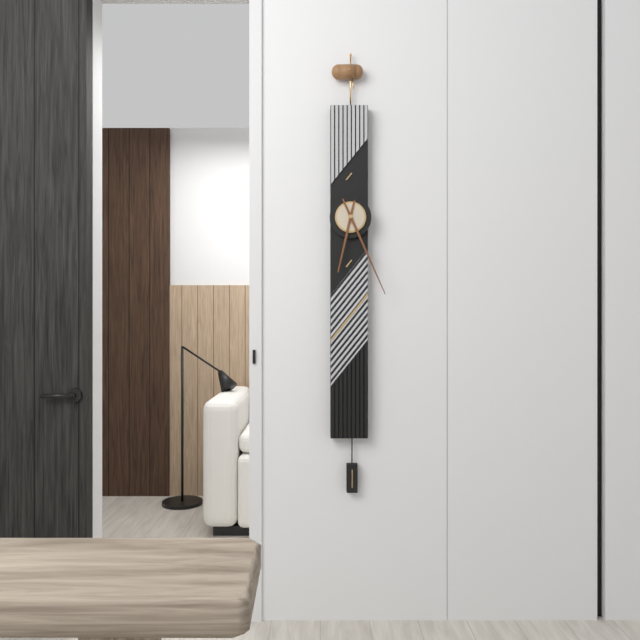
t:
6h26
